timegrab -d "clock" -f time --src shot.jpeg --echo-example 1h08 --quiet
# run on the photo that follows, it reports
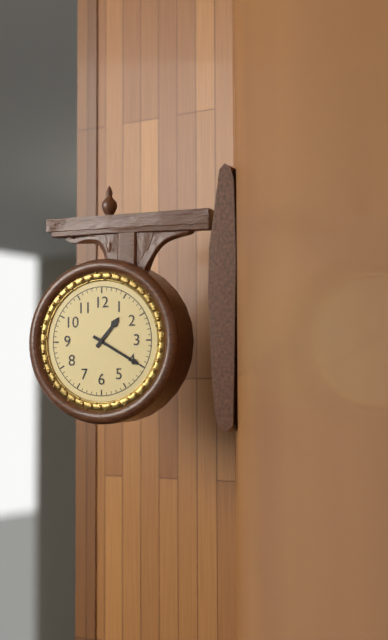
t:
1h20
